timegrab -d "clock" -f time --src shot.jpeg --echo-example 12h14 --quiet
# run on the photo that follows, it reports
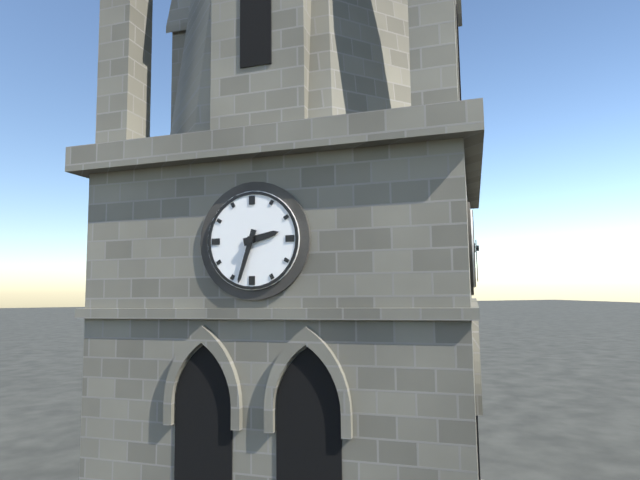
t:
2h33
